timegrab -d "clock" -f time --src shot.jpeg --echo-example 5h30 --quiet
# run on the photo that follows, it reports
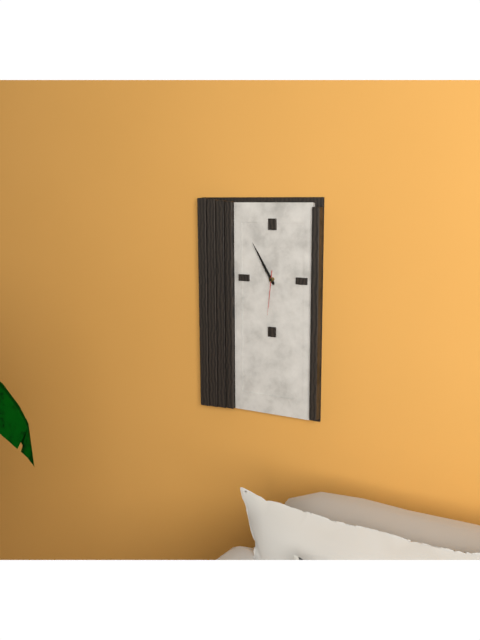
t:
10h55
